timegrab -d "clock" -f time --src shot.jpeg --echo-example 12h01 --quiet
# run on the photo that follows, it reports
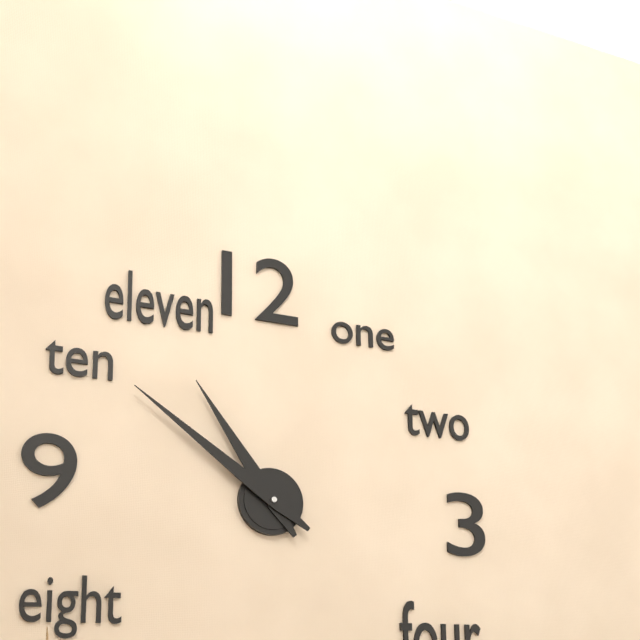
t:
10h51
